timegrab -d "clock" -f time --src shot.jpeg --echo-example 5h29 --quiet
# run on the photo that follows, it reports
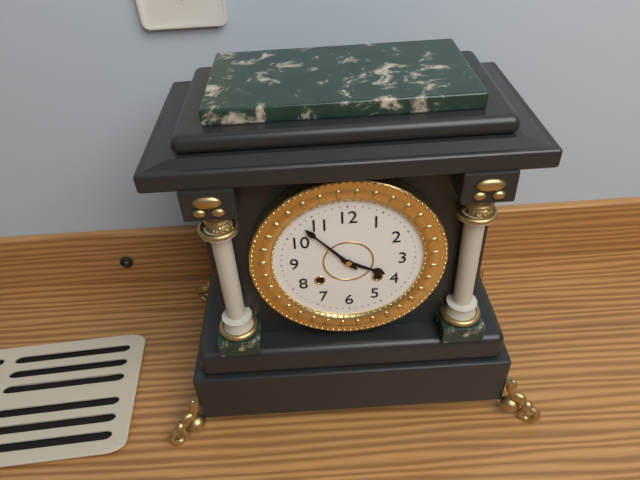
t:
3h53
